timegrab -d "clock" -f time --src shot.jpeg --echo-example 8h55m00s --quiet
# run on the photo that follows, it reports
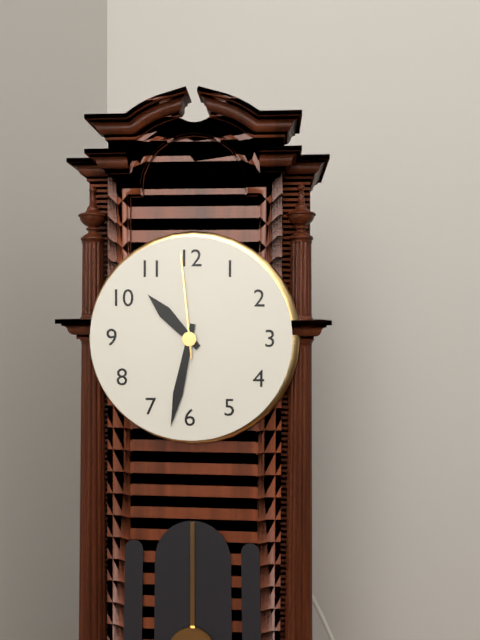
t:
10h32m59s
